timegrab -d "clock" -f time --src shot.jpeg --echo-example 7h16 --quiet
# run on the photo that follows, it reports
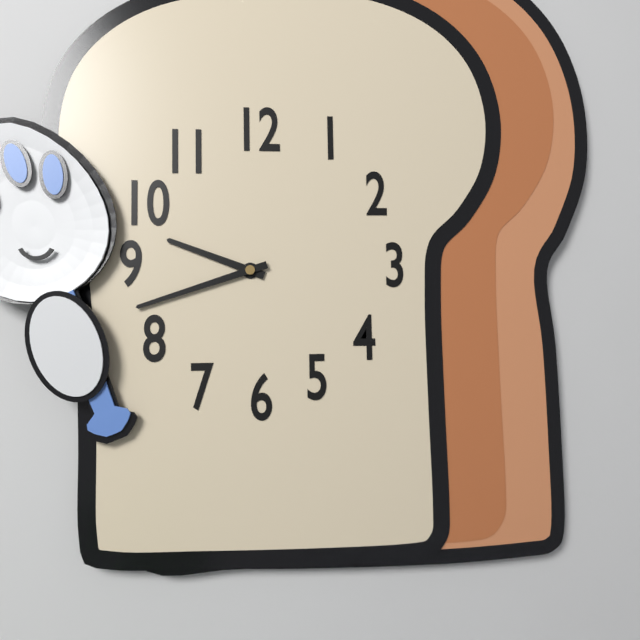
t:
9h42
